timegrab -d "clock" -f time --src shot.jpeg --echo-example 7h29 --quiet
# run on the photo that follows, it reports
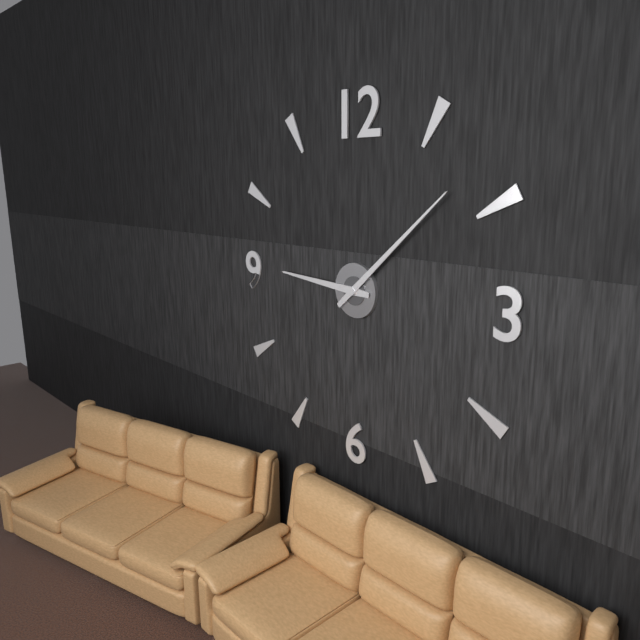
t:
9h08
